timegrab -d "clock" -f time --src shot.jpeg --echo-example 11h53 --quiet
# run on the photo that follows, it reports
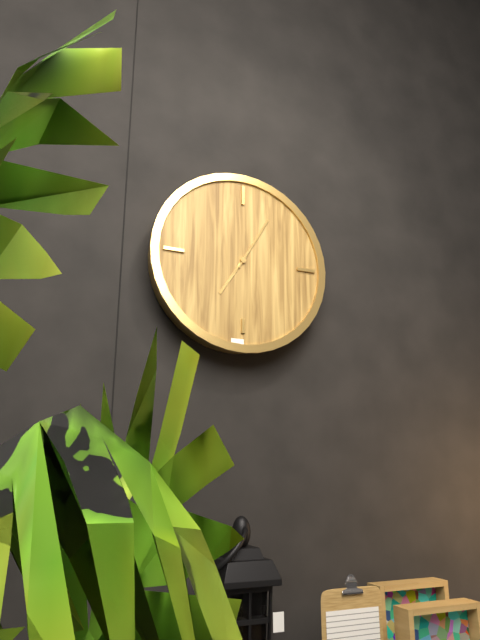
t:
7h05
